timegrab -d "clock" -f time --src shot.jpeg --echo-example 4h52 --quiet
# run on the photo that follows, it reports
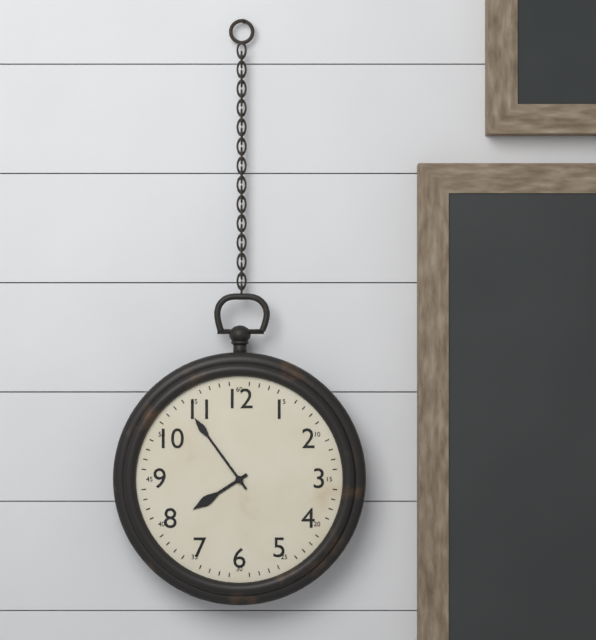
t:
7h54
